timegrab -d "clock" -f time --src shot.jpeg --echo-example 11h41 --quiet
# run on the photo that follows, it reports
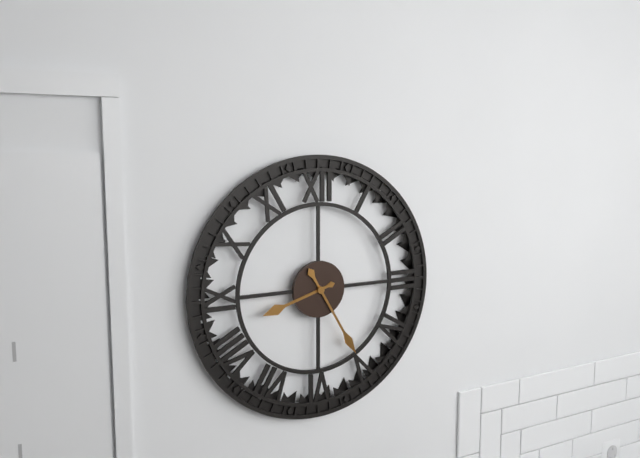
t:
8h25
